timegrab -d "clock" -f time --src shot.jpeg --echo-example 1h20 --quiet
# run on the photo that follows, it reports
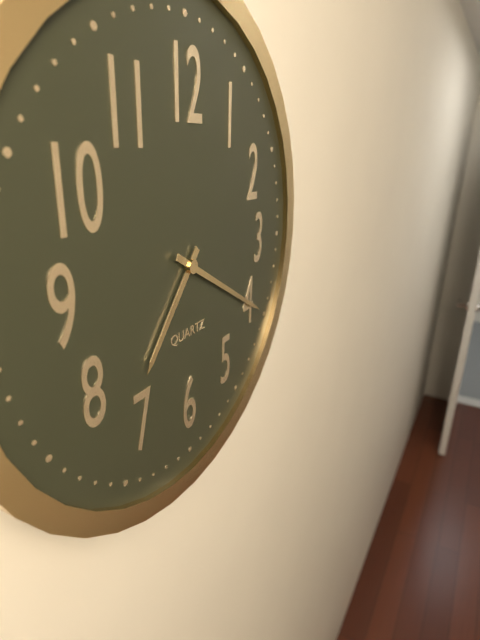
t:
7h20
